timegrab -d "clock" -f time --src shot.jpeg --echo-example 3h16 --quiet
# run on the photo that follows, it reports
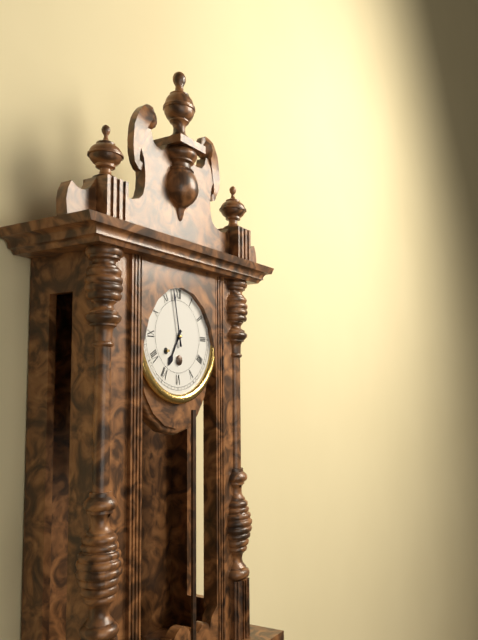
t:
6h58
